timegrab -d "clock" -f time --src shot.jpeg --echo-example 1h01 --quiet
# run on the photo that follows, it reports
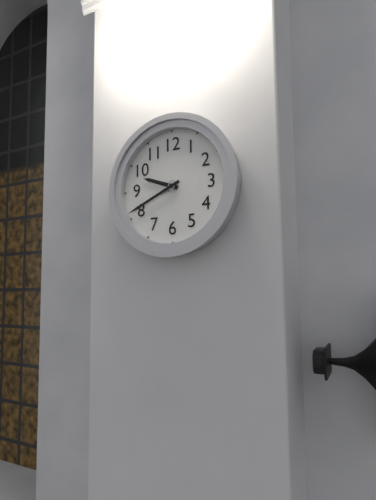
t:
9h41
